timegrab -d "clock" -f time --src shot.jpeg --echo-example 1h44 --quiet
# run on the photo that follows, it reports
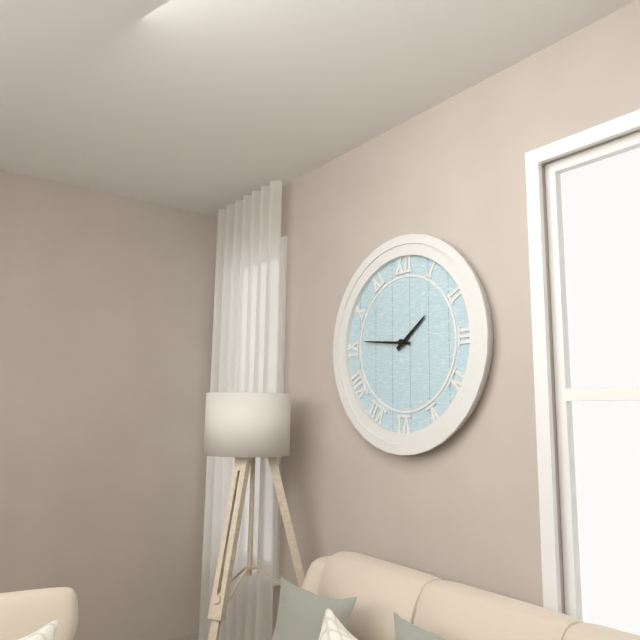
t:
1h46
